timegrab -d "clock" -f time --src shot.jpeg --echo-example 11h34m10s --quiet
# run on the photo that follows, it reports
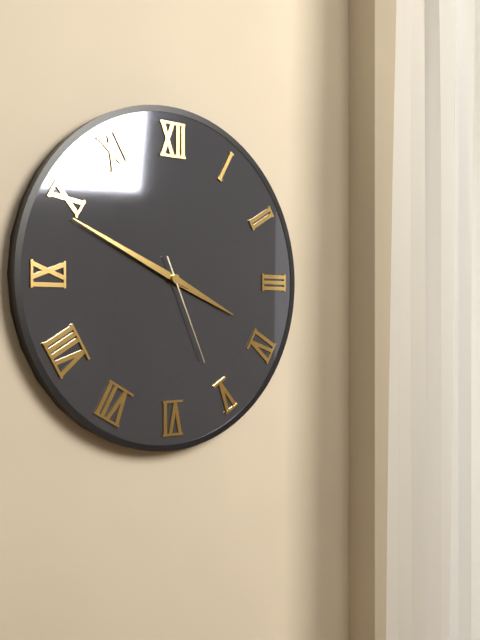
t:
3h49m26s
